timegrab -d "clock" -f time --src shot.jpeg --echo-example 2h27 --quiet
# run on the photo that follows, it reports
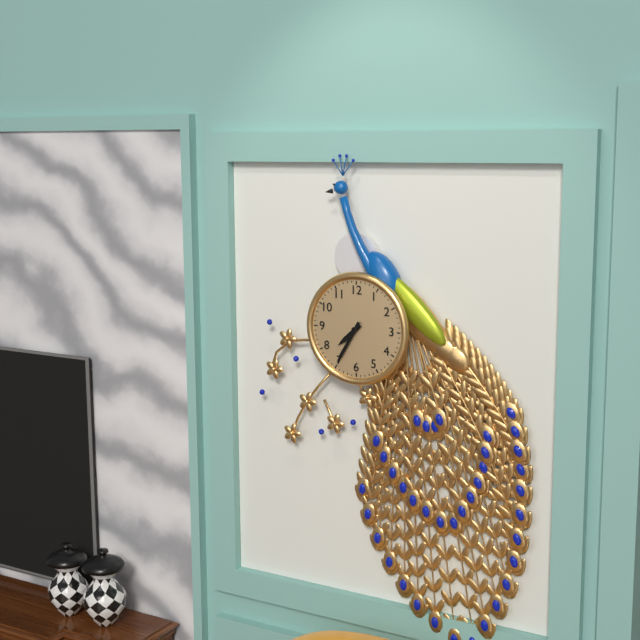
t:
7h35
